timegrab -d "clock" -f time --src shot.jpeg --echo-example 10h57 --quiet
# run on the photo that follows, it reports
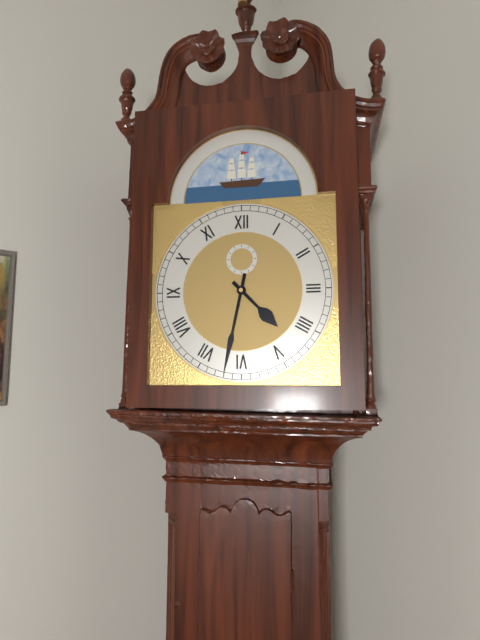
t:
4h32
